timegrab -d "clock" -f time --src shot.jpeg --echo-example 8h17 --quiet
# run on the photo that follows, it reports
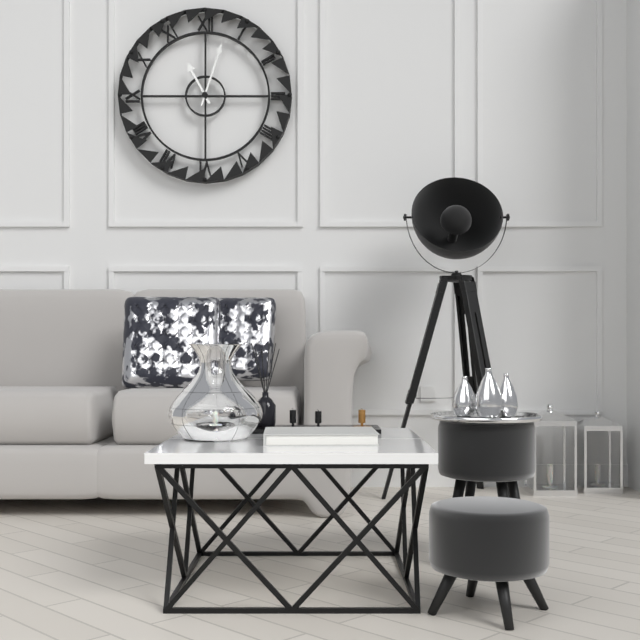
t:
11h03
